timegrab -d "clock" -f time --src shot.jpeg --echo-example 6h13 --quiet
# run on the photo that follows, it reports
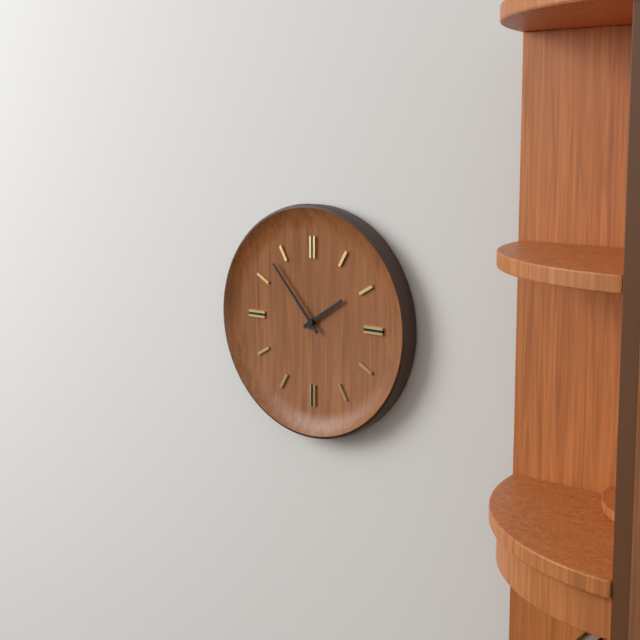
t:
1h53
